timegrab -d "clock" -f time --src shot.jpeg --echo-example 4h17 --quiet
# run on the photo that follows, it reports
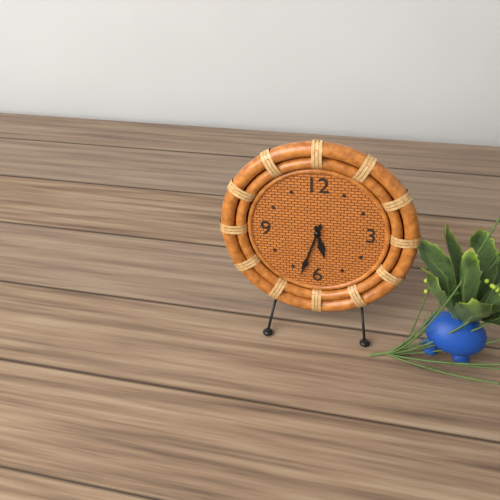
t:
5h33
